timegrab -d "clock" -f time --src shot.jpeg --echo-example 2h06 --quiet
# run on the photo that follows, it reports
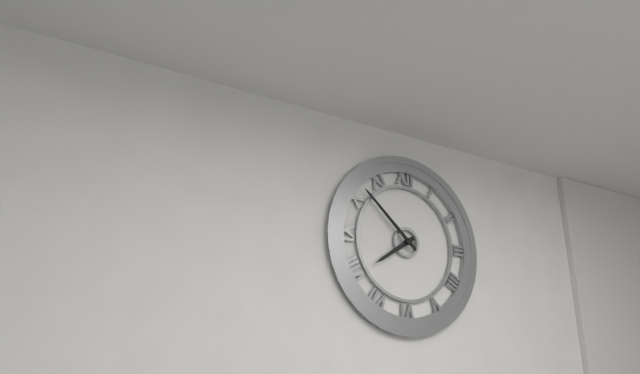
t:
7h52
